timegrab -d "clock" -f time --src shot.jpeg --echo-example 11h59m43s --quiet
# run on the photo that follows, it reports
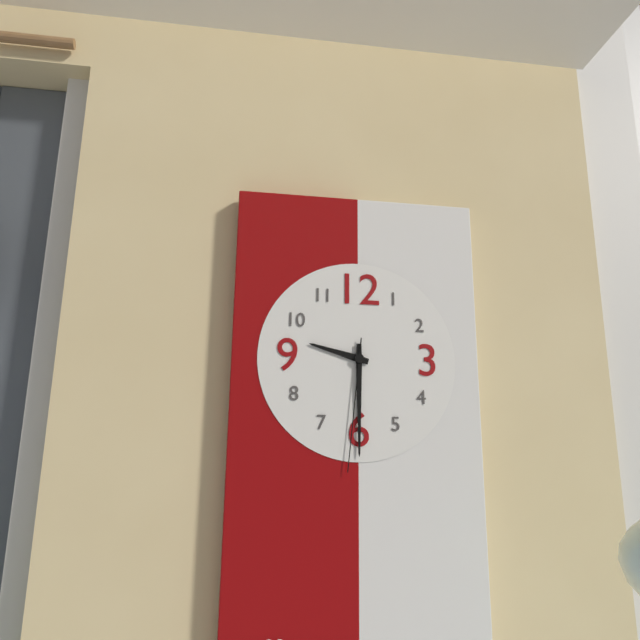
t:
9h30m31s
